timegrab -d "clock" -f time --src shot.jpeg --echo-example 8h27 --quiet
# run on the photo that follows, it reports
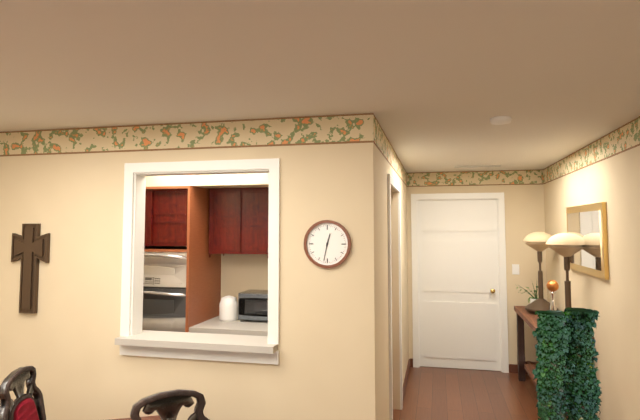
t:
12h32
